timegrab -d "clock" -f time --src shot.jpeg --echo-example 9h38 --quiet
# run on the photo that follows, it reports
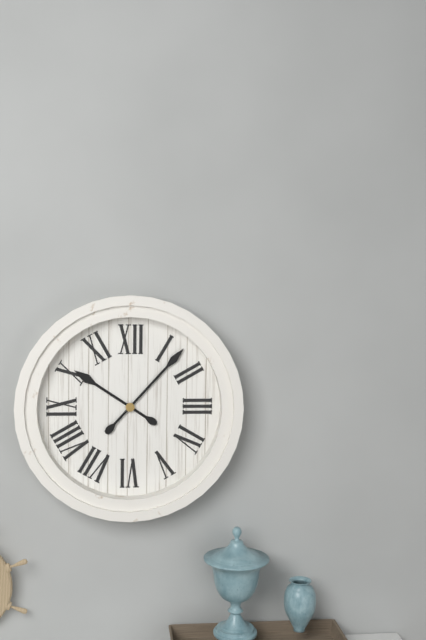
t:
10h07
